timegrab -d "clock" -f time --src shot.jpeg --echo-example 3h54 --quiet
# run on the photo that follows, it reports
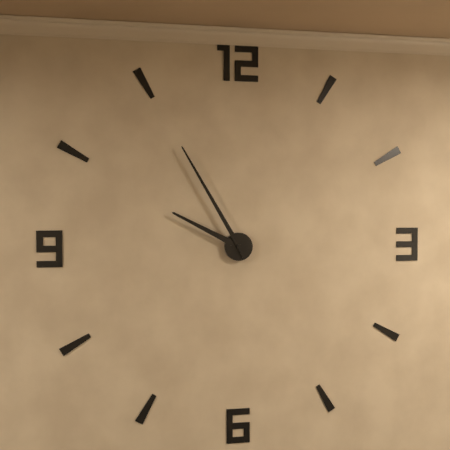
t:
9h55
